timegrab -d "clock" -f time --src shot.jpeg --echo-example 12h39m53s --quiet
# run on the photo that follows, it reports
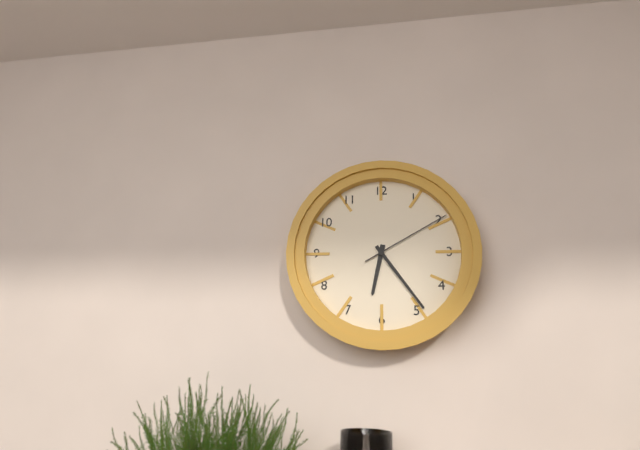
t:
6h24m10s
